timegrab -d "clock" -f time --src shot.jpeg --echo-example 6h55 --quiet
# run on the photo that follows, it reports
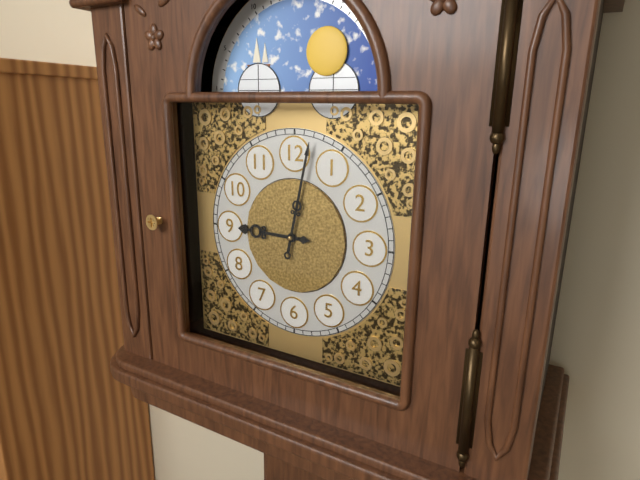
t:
9h02
